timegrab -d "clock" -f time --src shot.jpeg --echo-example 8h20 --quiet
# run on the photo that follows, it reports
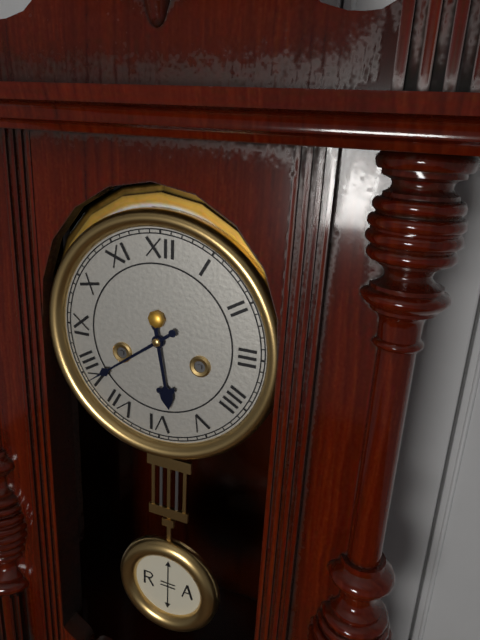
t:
5h39
